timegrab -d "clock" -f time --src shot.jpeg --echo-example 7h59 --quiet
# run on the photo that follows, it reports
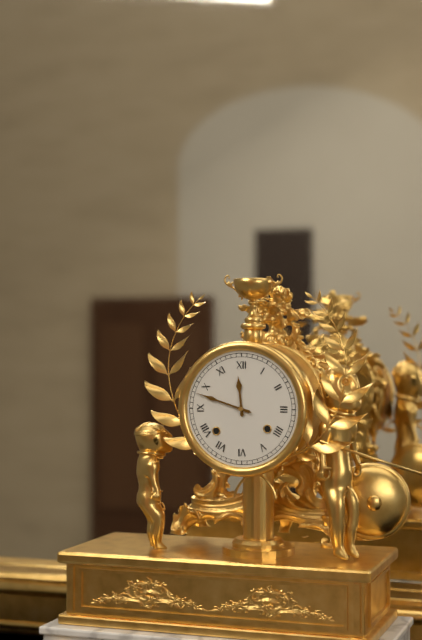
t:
11h48
